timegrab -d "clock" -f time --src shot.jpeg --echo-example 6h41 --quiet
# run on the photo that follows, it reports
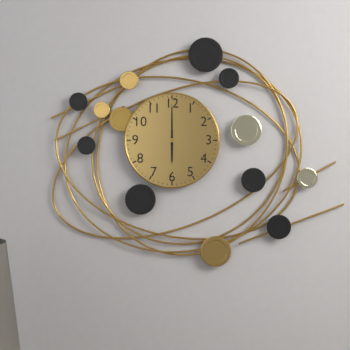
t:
6h00
